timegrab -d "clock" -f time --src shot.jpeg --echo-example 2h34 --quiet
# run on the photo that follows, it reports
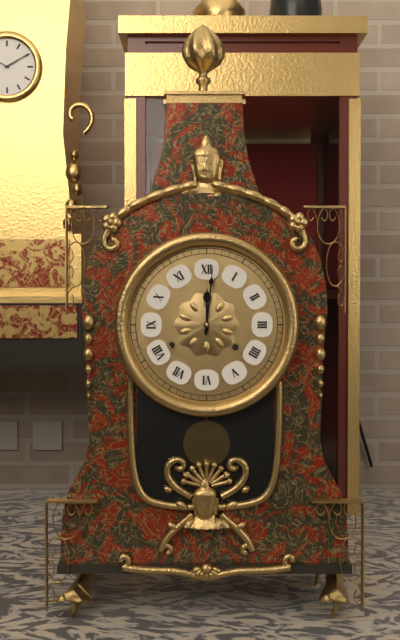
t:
12h01
